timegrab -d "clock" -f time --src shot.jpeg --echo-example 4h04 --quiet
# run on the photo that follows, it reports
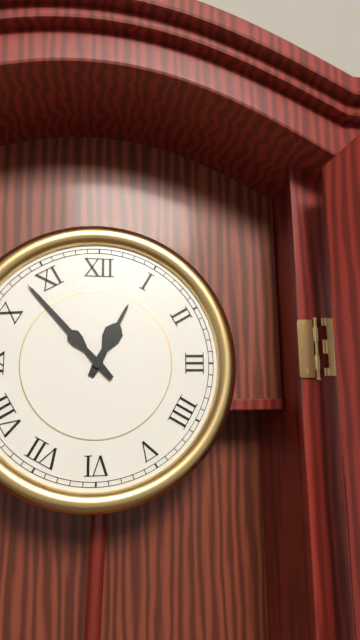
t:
12h53
